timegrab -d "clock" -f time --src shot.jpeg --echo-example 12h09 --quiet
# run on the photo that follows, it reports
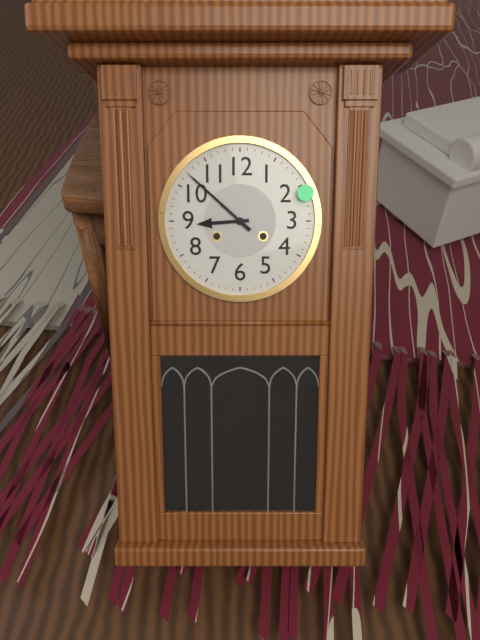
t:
8h52
